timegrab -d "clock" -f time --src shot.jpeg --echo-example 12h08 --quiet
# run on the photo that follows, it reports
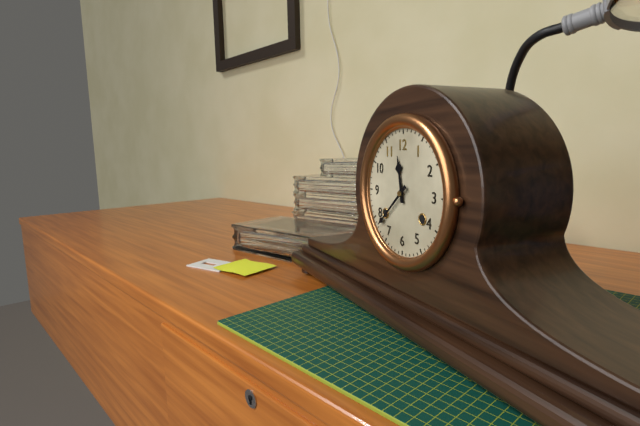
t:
11h38
